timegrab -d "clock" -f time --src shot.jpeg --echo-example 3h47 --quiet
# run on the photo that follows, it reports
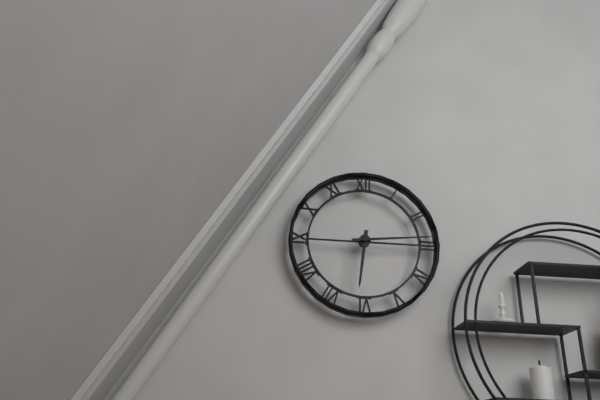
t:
6h14
